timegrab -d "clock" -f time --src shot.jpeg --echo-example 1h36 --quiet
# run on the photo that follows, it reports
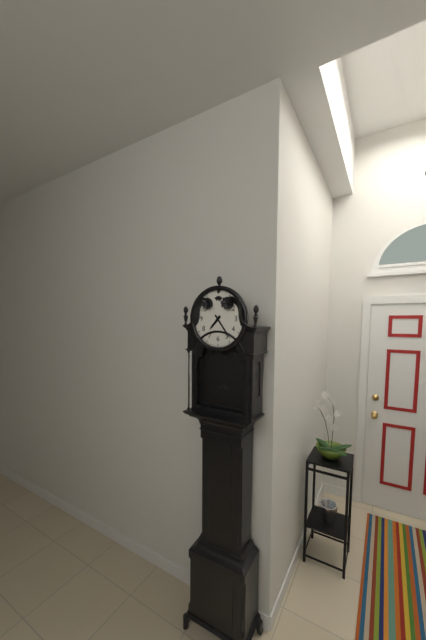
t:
7h24
